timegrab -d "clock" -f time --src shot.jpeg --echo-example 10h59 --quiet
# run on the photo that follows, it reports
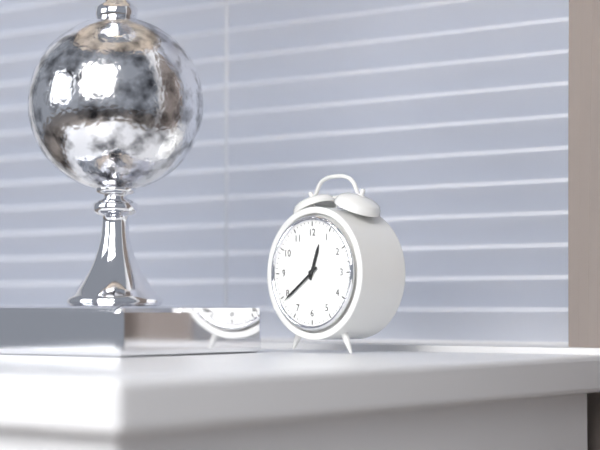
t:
12h39
